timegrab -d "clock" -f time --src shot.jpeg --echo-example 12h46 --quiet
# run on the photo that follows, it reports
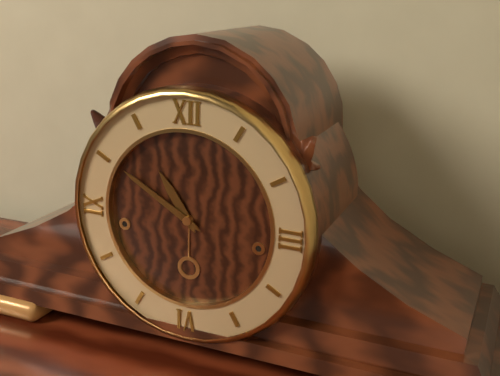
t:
10h50
